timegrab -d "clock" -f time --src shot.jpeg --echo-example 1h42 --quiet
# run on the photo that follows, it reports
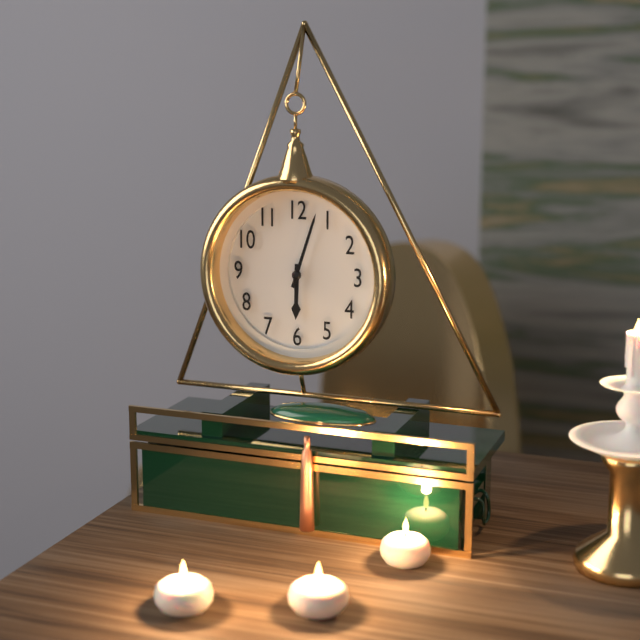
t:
6h03
